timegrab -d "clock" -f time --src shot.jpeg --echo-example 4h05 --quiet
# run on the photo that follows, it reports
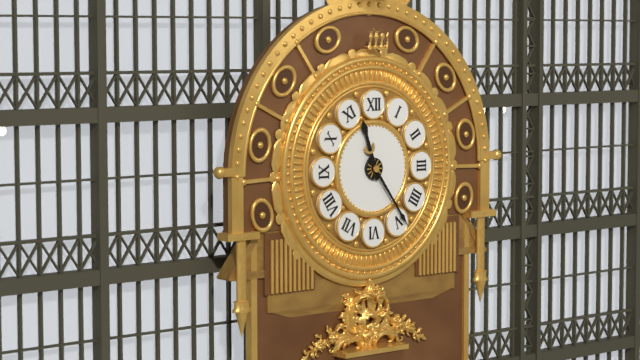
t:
11h24
